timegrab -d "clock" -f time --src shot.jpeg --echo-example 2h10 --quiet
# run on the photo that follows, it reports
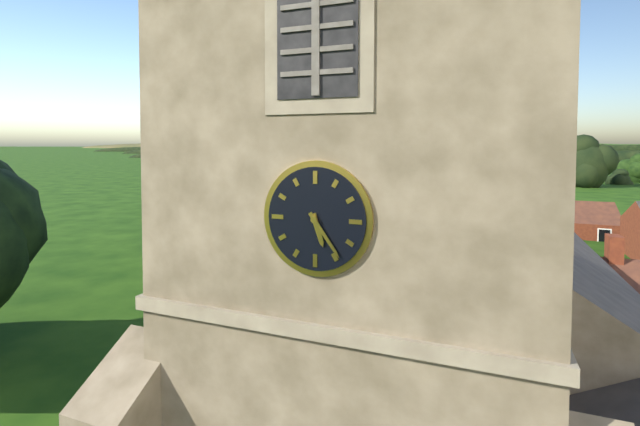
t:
5h24
